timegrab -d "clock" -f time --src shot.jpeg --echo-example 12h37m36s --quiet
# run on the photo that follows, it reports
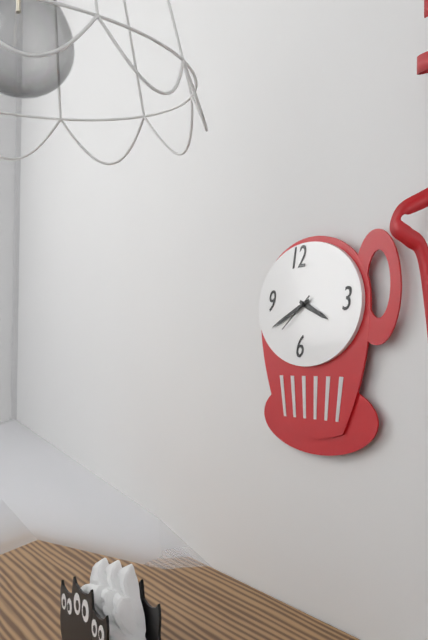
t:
3h42m40s
